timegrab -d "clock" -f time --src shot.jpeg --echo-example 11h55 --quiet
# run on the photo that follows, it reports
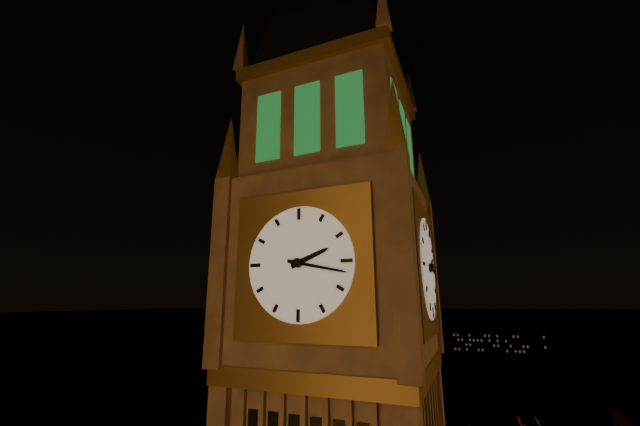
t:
2h17
